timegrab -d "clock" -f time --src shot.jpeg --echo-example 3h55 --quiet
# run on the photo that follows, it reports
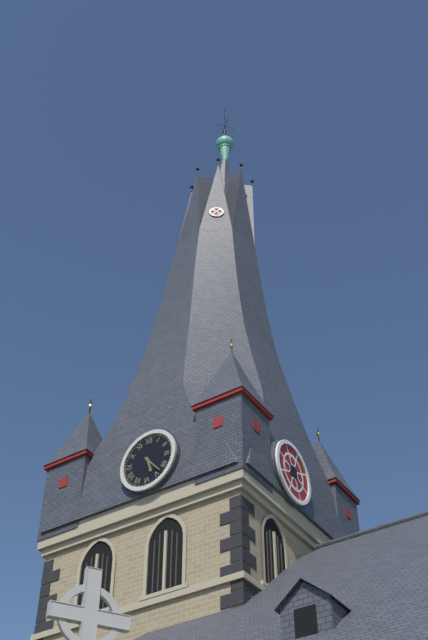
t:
5h23
